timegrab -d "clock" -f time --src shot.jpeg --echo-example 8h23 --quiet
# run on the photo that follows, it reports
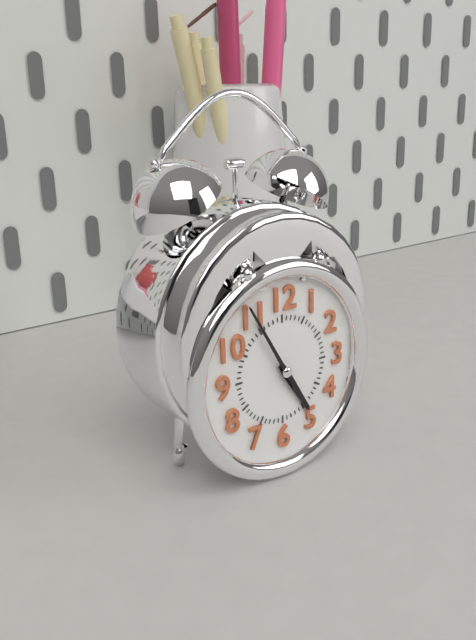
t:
4h55
